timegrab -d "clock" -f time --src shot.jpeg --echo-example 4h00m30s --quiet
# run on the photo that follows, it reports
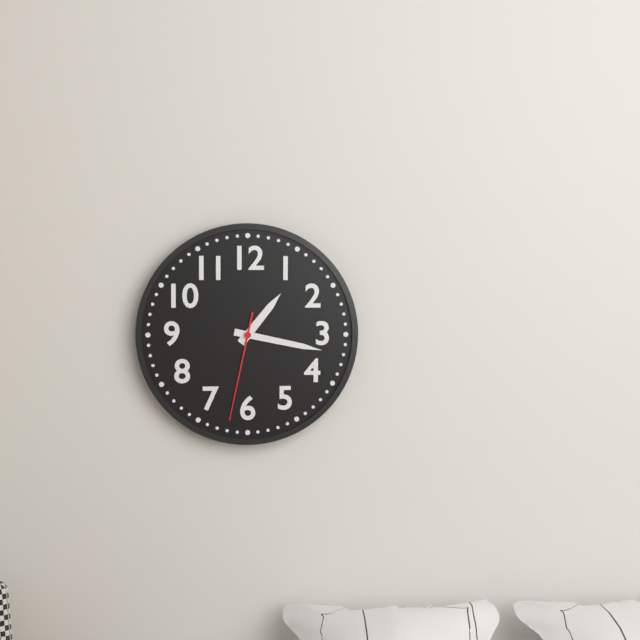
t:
1h17m32s
